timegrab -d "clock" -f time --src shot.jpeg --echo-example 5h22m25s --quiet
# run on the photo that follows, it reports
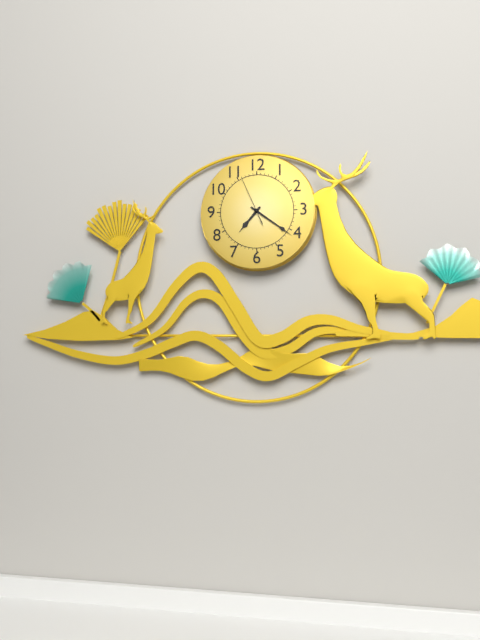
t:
7h21m56s
